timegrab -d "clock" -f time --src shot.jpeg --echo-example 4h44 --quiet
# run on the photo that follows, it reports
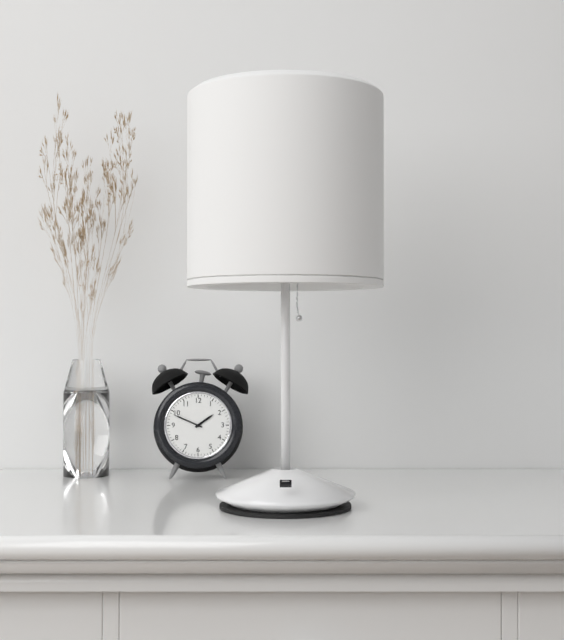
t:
1h49
